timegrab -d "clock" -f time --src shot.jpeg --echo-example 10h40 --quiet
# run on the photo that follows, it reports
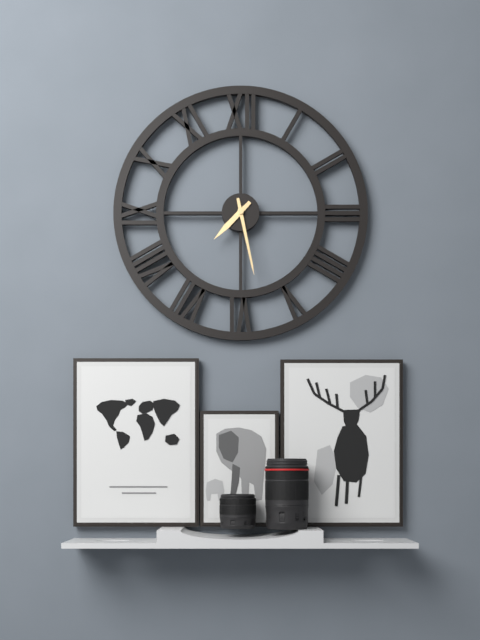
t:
7h28
